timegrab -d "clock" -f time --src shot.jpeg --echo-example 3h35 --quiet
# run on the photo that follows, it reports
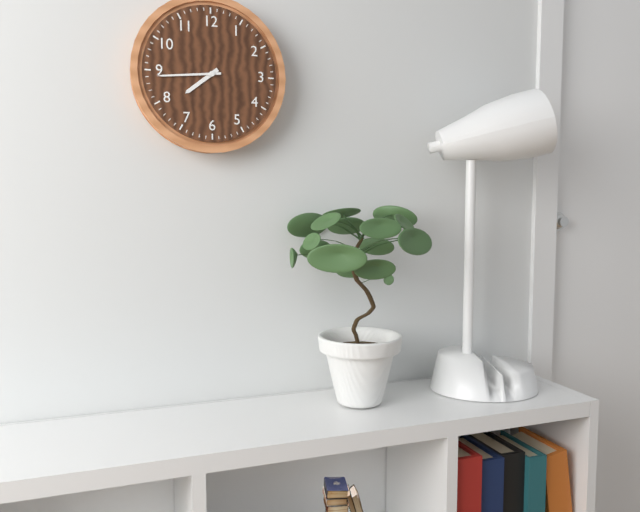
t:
7h44
